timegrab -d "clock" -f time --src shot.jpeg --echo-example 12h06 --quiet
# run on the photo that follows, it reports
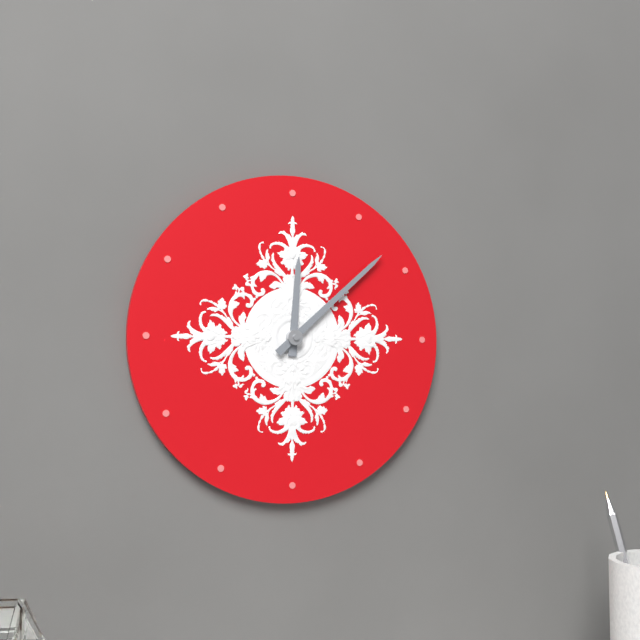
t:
12h08
